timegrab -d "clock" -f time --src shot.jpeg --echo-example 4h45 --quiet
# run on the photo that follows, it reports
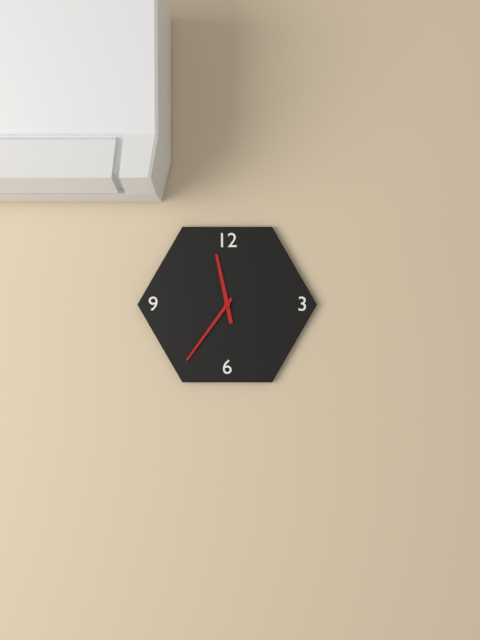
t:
11h36
